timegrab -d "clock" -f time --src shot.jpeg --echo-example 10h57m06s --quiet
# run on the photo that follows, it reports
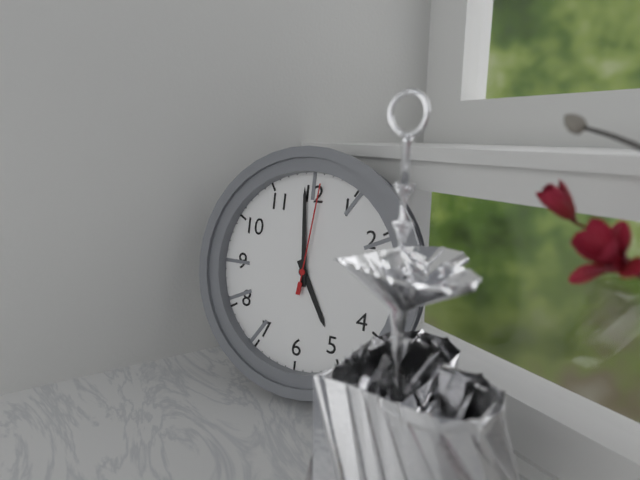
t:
4h59m01s
